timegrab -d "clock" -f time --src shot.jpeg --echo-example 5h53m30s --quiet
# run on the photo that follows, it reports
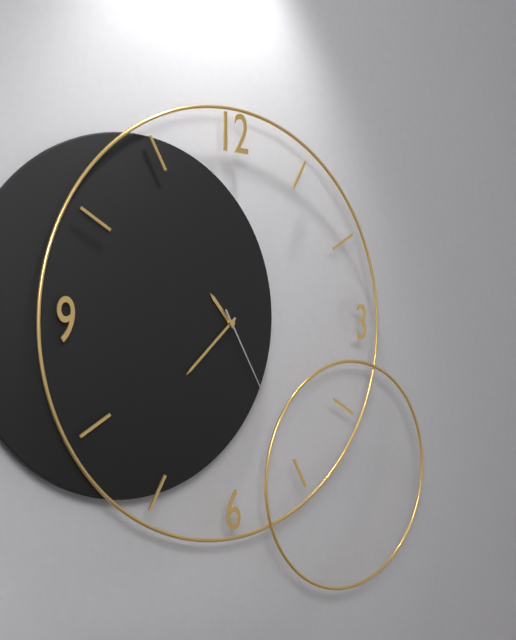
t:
10h38m25s
